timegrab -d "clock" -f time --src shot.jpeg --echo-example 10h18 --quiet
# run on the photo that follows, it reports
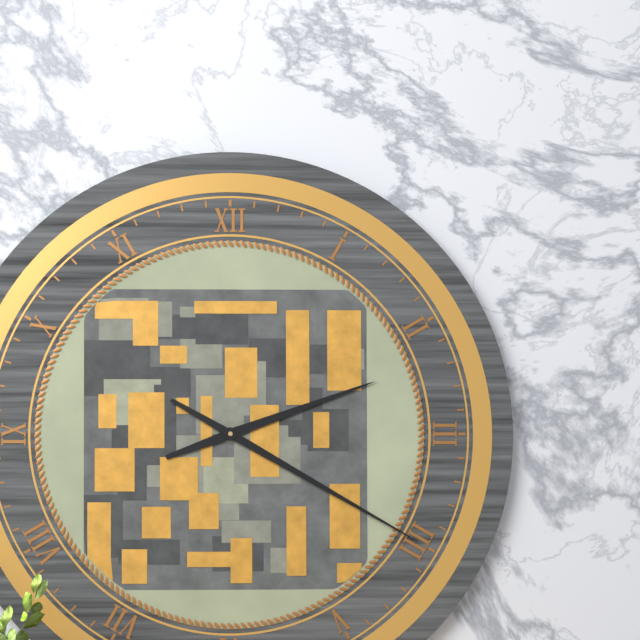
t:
2h20
